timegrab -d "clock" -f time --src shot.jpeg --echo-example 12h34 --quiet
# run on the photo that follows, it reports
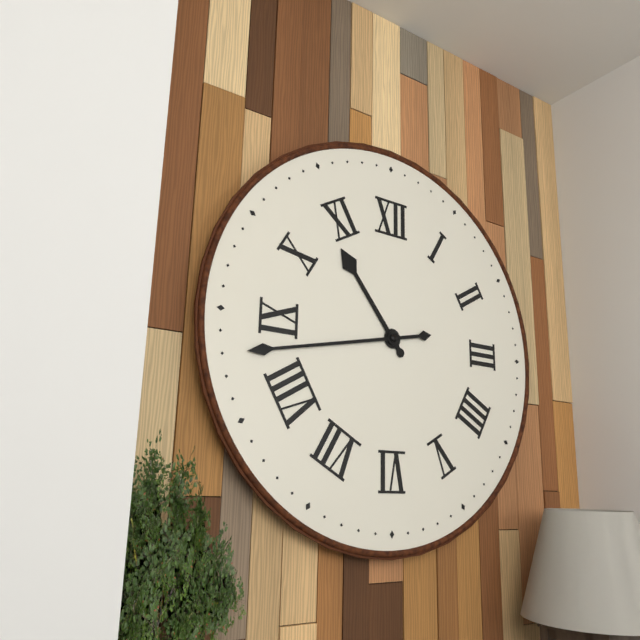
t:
10h43
